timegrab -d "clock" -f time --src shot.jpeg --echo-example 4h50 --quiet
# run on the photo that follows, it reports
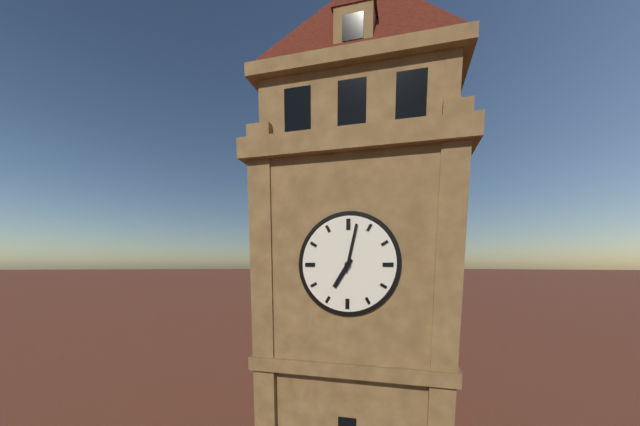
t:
7h02
